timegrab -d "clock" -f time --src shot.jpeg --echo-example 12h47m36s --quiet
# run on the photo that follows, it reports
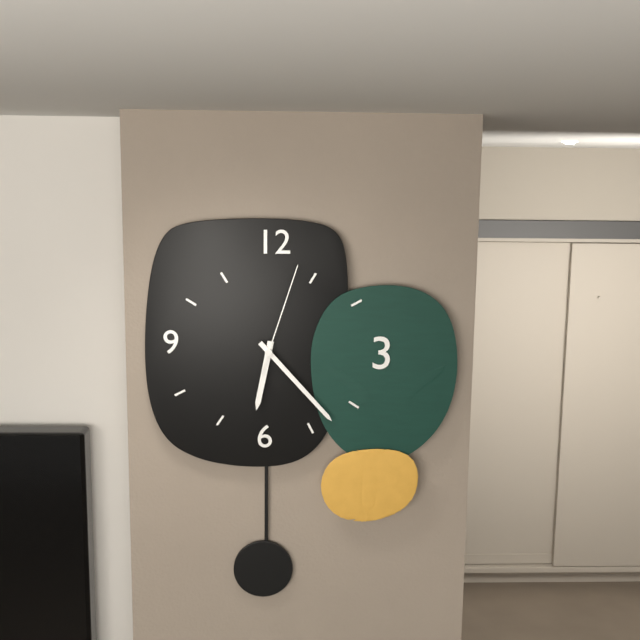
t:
6h23m03s
